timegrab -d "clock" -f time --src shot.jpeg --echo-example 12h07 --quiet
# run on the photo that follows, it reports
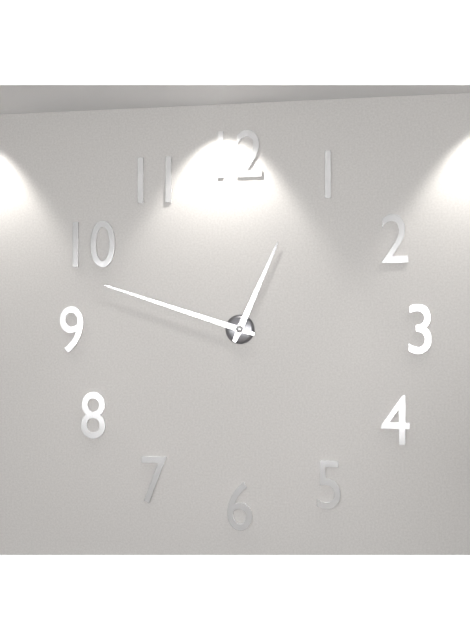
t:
12h48
